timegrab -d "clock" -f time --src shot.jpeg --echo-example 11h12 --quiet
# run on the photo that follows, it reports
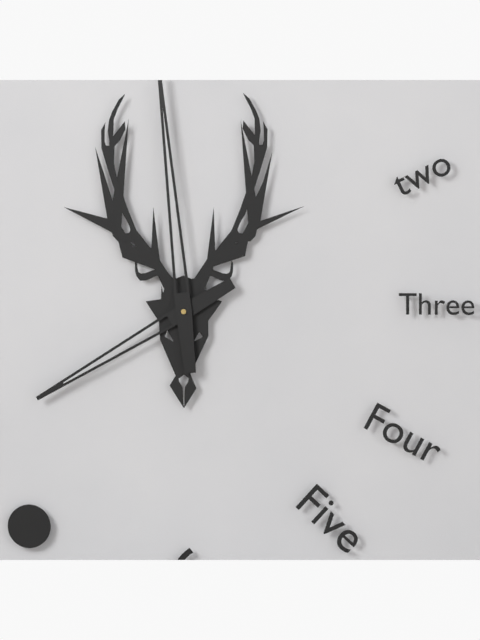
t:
7h59
